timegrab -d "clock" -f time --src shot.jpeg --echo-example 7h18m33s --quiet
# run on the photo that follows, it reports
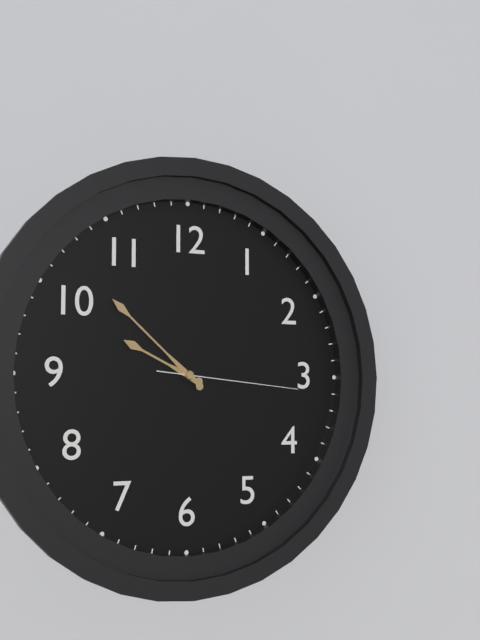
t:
9h52m16s
